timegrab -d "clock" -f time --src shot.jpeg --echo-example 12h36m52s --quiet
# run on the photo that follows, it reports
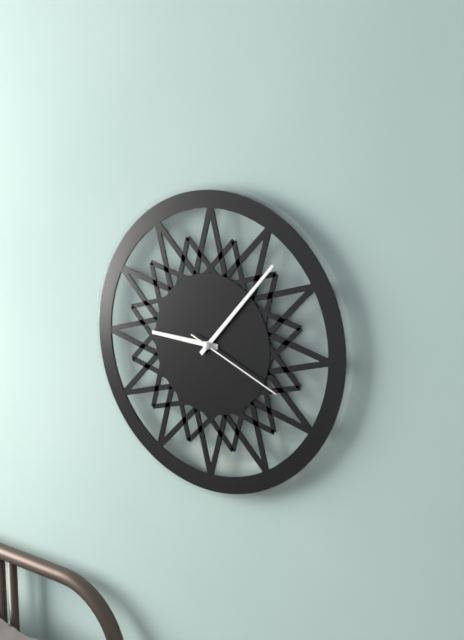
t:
9h07m19s
